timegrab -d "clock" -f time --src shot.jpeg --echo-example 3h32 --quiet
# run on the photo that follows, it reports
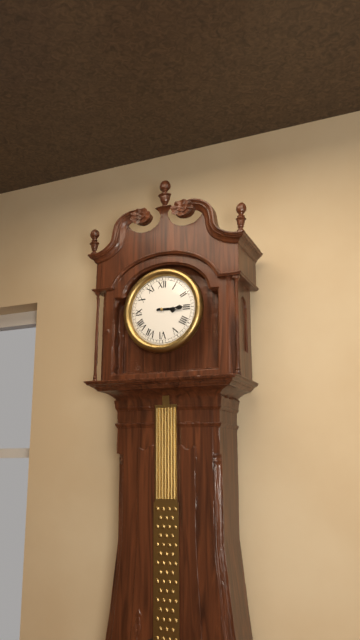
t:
3h15
